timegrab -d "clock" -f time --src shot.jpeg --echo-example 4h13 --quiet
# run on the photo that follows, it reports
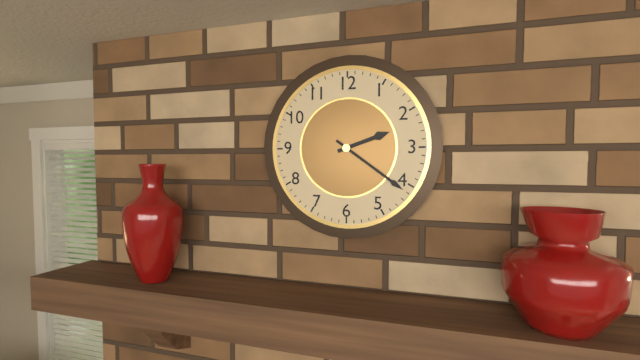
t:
2h21
